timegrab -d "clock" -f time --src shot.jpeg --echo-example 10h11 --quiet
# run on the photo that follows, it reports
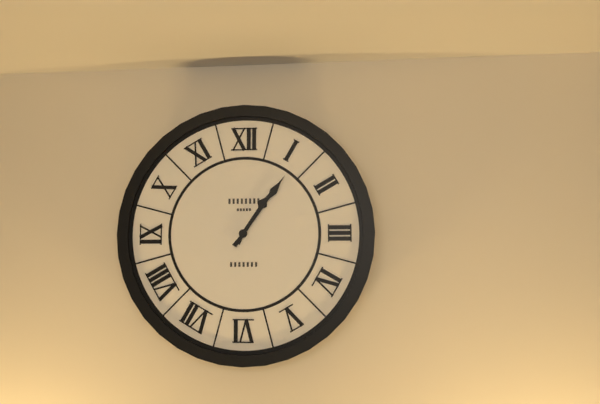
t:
1h06
